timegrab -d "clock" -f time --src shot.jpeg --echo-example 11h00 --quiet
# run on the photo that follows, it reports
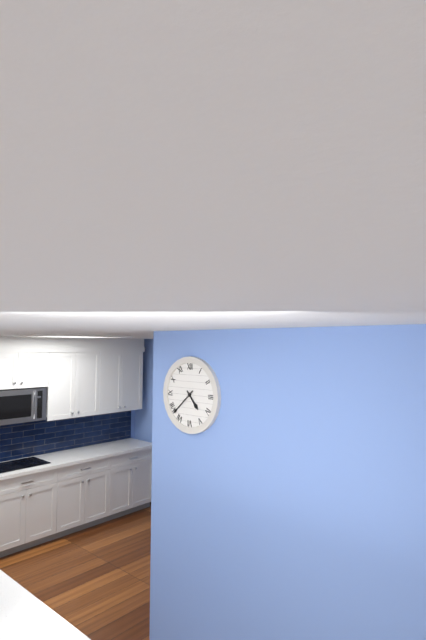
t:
4h38
